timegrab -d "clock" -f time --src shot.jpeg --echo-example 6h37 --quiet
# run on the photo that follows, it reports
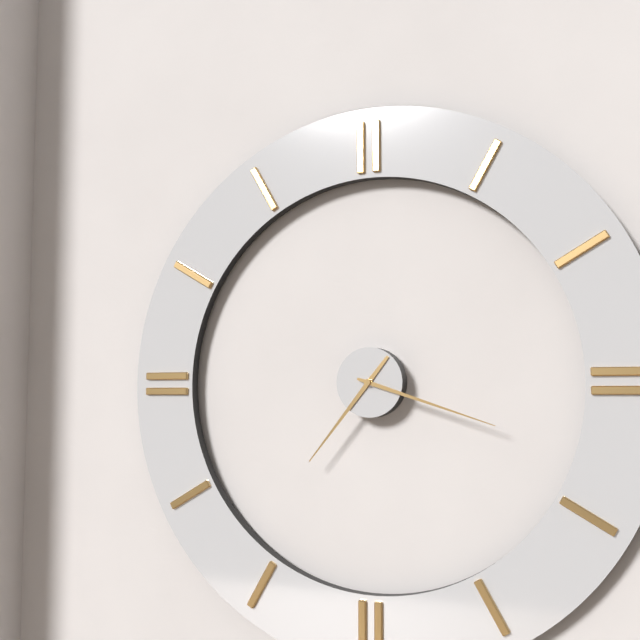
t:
7h18
